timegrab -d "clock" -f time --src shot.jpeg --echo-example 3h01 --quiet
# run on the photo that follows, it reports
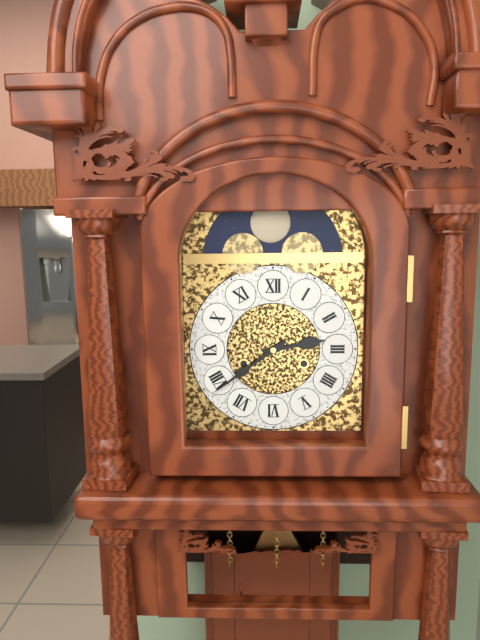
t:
2h39
